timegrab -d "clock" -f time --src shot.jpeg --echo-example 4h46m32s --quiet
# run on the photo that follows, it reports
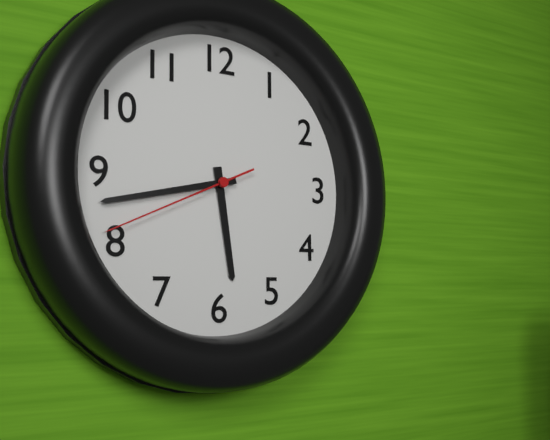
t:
5h43m41s
